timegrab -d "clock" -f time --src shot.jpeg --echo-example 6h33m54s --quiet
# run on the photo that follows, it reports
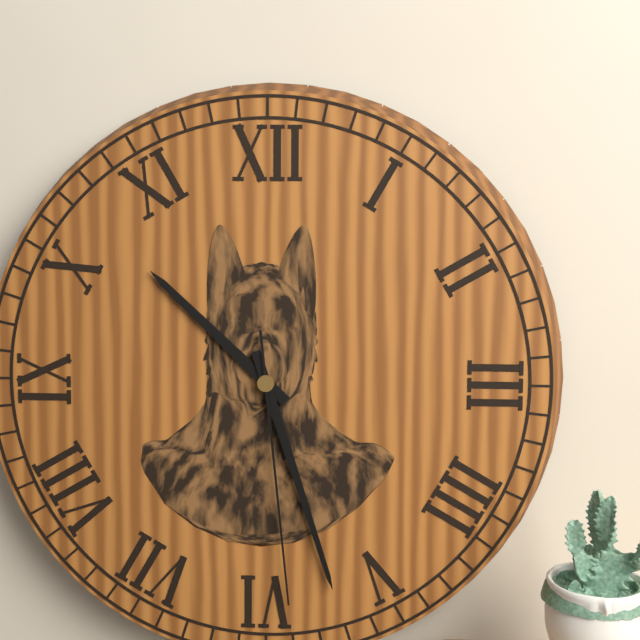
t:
10h27m29s
